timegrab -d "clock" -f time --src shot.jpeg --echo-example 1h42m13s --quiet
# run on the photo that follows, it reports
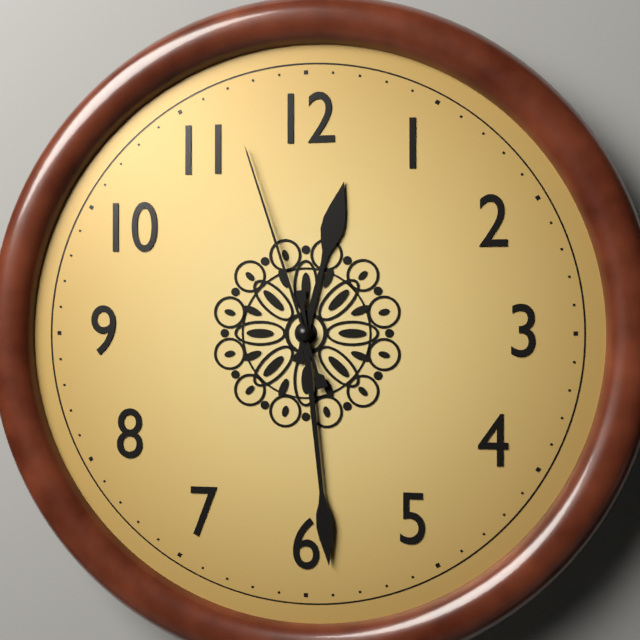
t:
12h29m57s
